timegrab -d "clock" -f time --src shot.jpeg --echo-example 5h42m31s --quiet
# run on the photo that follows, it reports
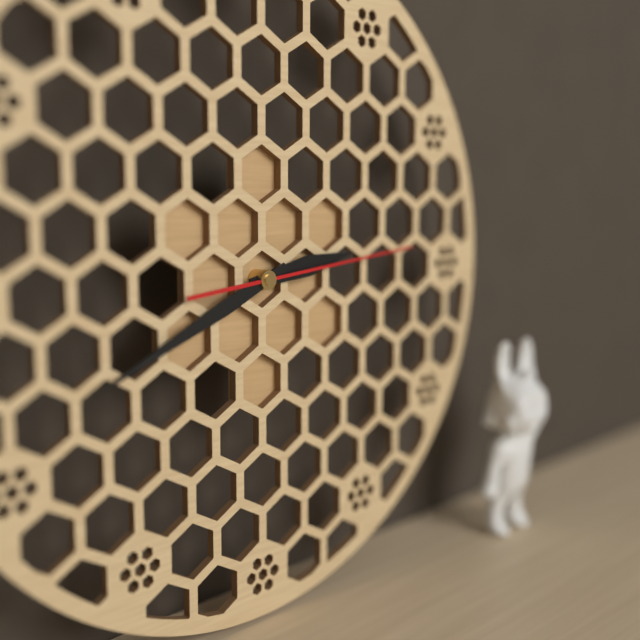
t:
2h41m14s
